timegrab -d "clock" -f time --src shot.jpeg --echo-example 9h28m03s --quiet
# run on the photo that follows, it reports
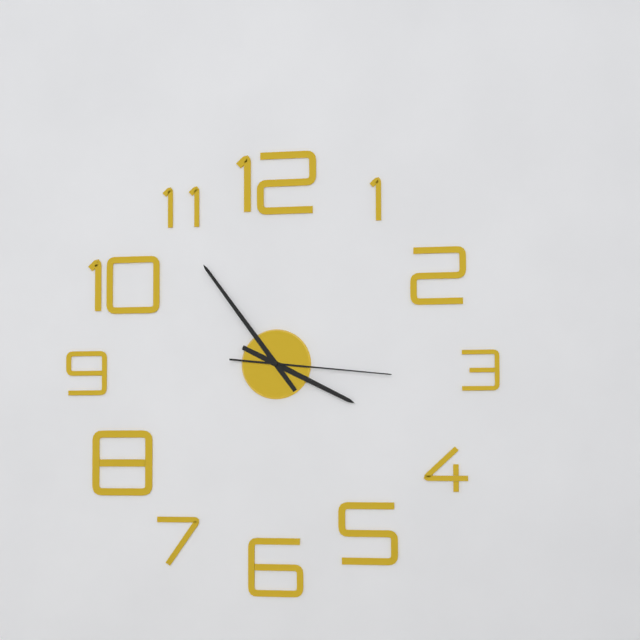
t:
3h54m16s
